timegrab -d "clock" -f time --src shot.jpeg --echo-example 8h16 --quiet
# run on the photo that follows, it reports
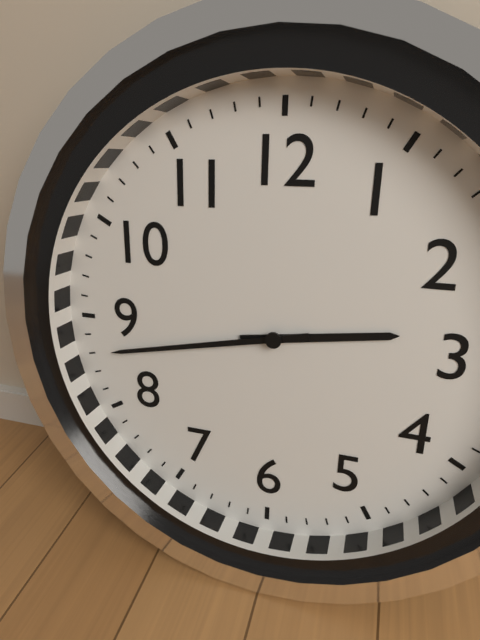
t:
2h43
